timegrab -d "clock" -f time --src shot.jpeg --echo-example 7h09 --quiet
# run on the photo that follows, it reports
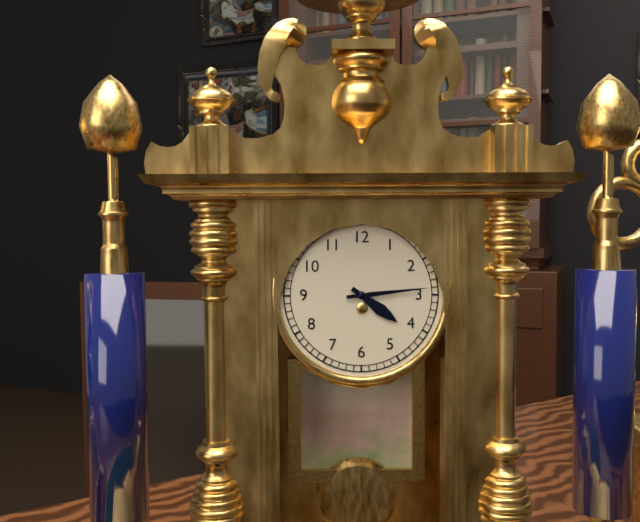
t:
4h14
